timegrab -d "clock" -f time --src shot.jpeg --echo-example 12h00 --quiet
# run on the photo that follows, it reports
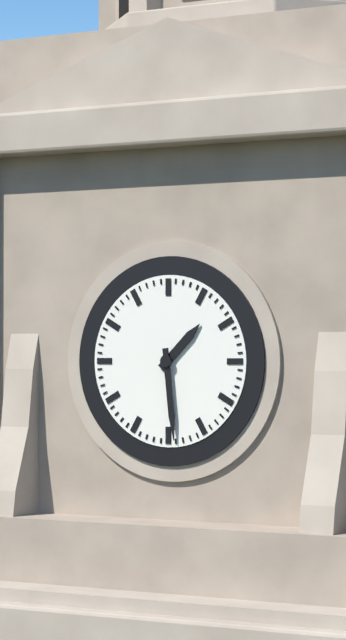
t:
1h29
